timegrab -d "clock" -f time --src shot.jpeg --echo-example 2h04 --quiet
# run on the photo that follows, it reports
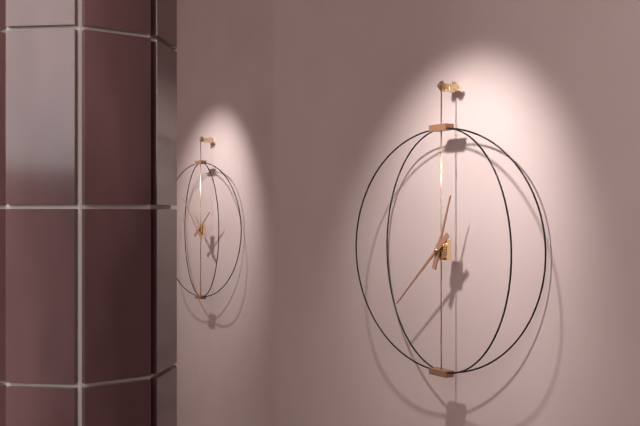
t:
12h38
